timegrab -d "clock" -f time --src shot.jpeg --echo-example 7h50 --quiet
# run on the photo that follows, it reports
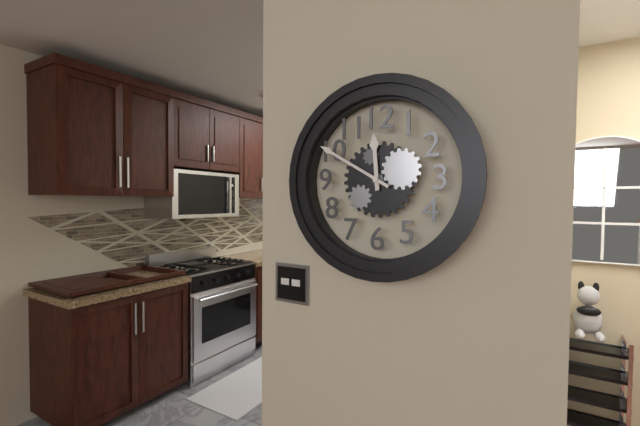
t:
11h50
